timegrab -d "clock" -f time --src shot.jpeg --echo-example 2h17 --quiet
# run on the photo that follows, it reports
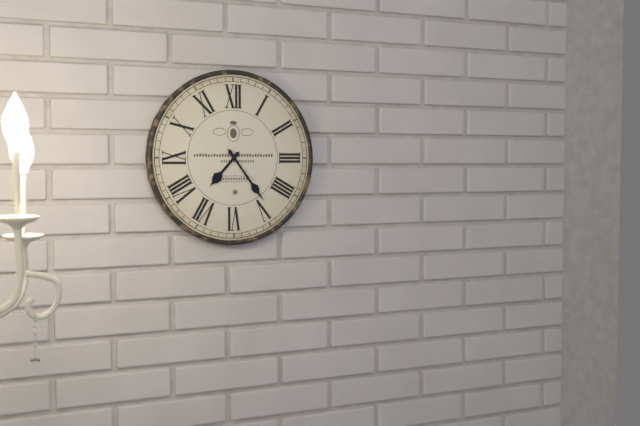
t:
7h24
